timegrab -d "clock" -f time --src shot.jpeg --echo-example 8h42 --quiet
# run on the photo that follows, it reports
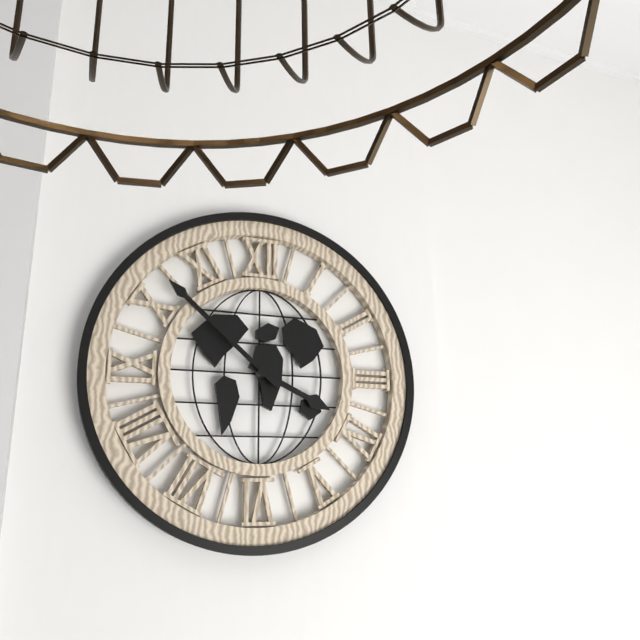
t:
3h52
